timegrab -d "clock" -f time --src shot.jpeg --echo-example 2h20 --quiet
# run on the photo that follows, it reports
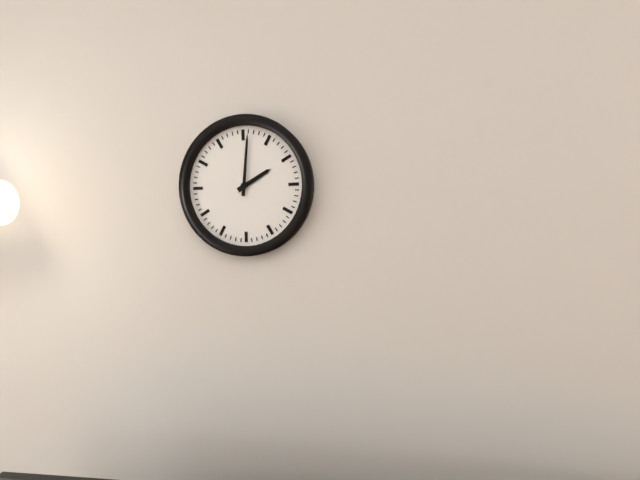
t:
2h01
